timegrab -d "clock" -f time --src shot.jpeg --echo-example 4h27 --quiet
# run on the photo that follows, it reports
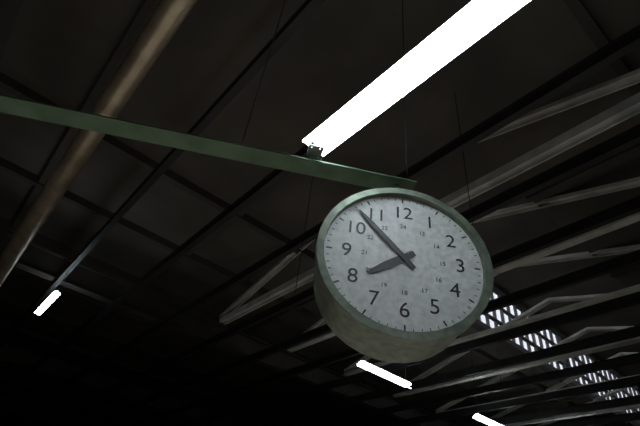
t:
7h53
